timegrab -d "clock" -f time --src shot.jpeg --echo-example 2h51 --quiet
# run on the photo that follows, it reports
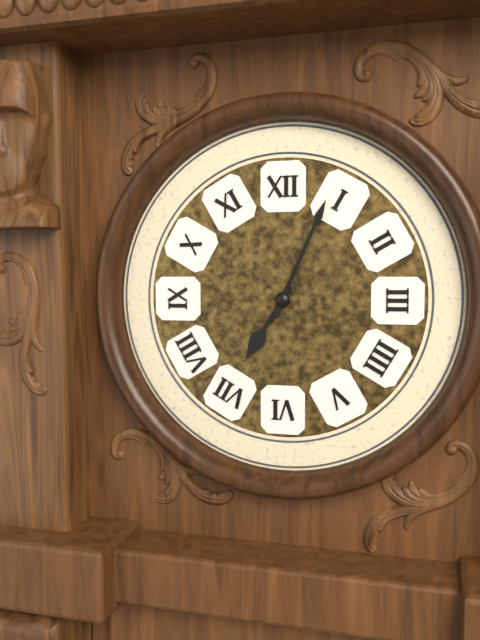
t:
7h04
